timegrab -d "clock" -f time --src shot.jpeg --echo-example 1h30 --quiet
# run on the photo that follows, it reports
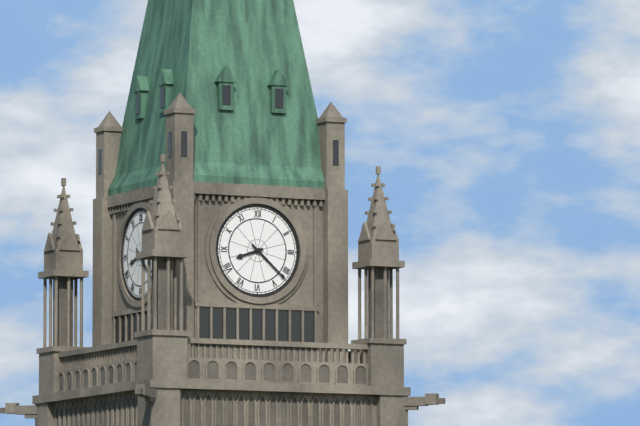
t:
8h22
